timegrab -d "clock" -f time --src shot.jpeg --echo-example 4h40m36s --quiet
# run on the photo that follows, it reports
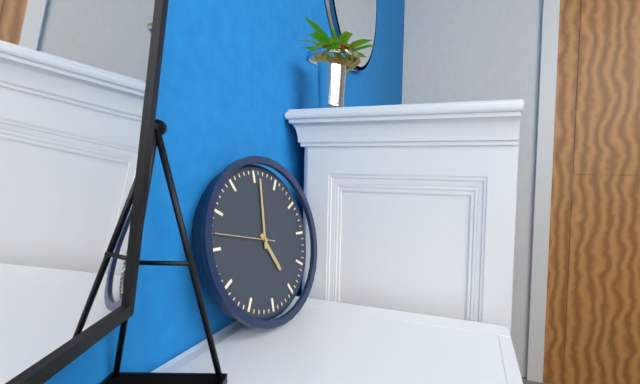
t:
5h01m47s
